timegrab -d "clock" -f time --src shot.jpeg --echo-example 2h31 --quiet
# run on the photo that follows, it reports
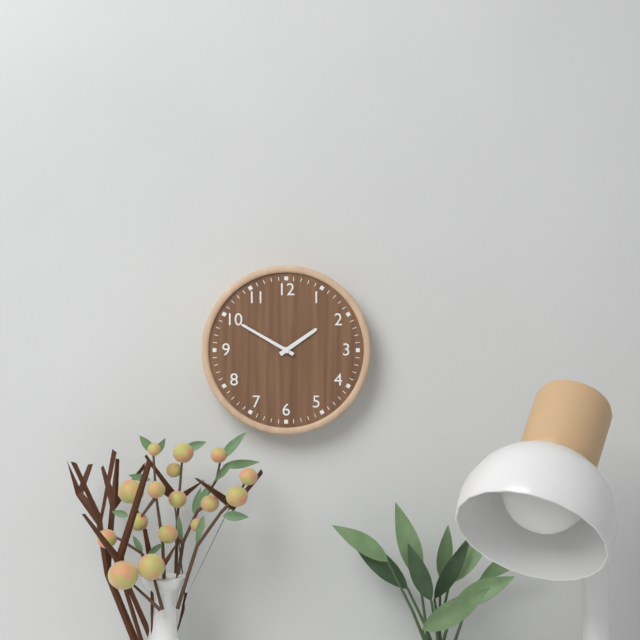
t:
1h50
